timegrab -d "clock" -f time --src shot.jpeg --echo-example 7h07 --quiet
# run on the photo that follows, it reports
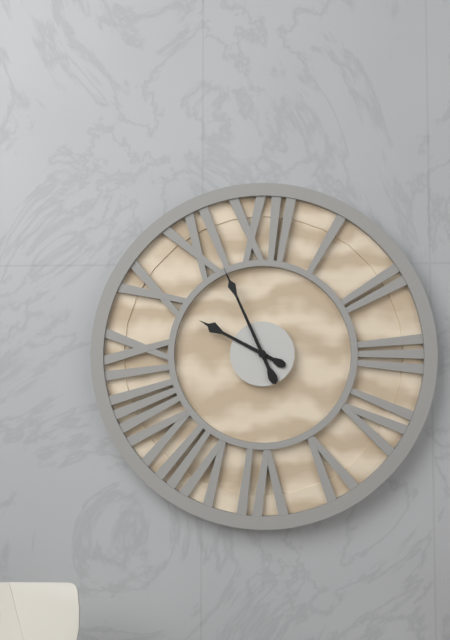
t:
9h56
